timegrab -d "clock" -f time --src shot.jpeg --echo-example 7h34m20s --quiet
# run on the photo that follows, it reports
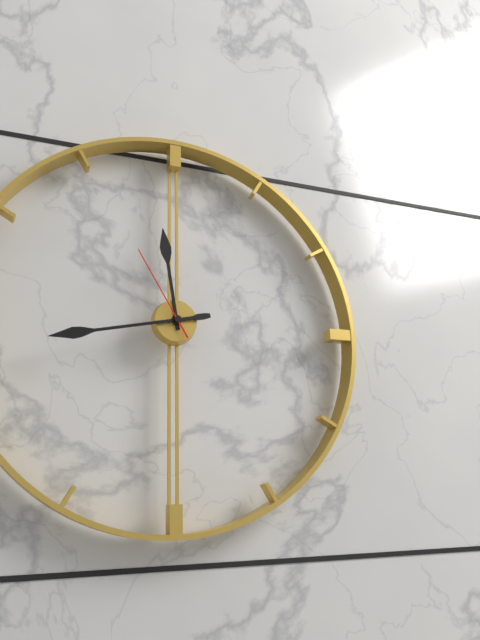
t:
11h43m55s
